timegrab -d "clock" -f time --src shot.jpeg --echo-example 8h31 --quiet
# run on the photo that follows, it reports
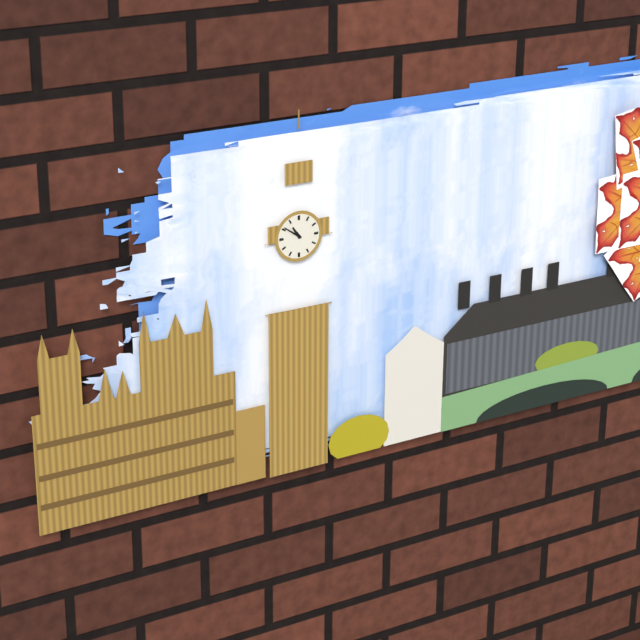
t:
10h51
